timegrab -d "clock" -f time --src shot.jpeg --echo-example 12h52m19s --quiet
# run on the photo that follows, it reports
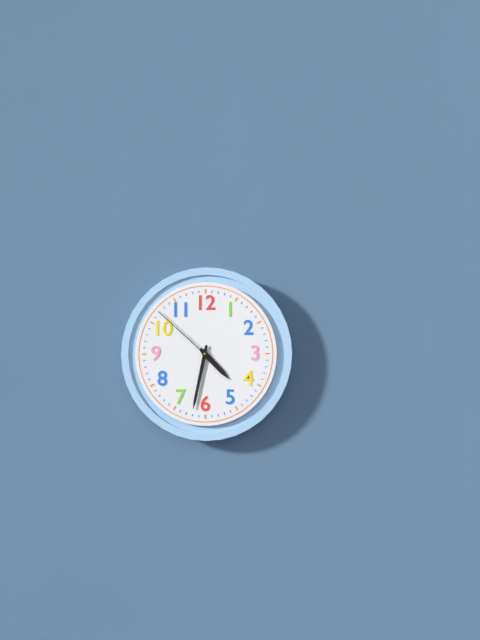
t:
4h32m52s
